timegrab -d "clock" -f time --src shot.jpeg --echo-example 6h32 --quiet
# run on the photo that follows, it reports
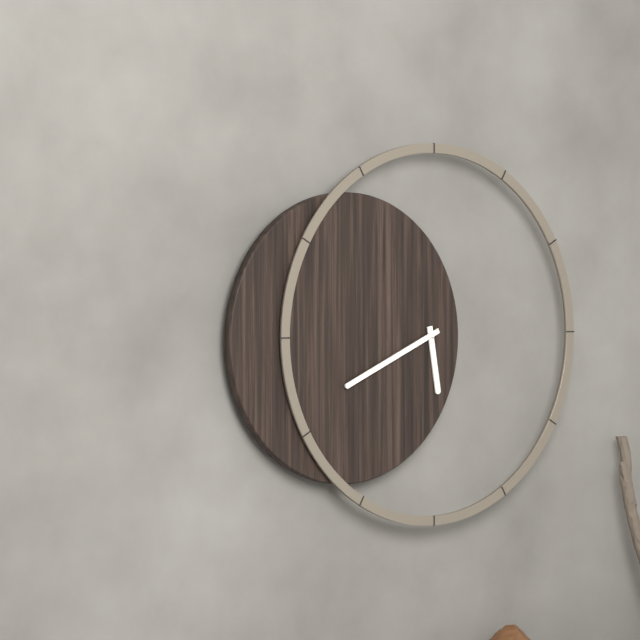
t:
5h41
